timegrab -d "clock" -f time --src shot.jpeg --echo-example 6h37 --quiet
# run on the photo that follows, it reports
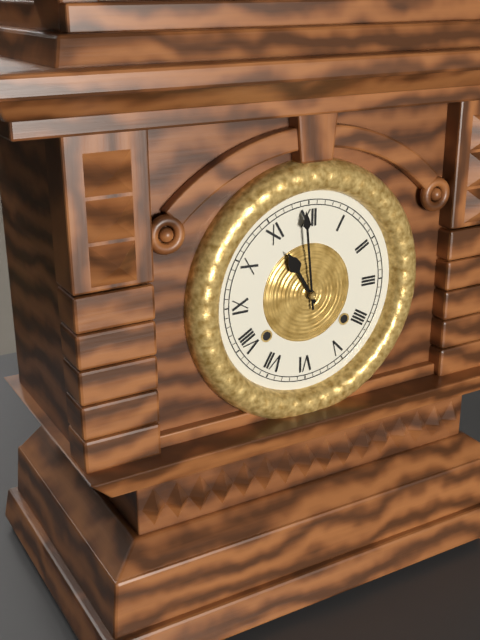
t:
10h59
